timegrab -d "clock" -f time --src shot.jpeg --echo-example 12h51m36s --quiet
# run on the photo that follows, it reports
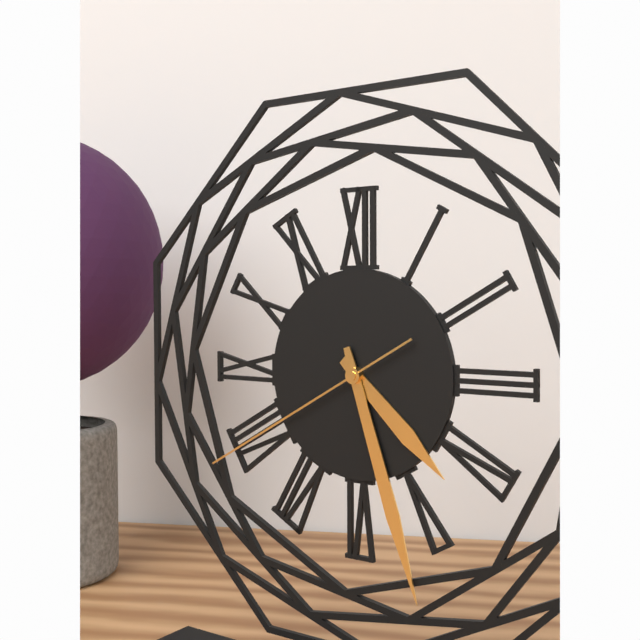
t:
4h27m40s
